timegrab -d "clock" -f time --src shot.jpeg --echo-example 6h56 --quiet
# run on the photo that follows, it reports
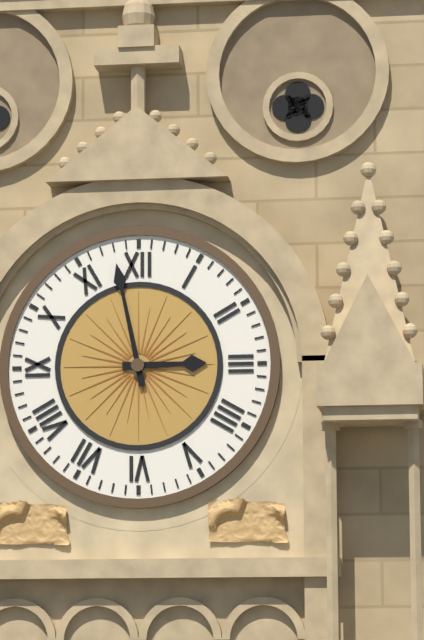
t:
2h58
